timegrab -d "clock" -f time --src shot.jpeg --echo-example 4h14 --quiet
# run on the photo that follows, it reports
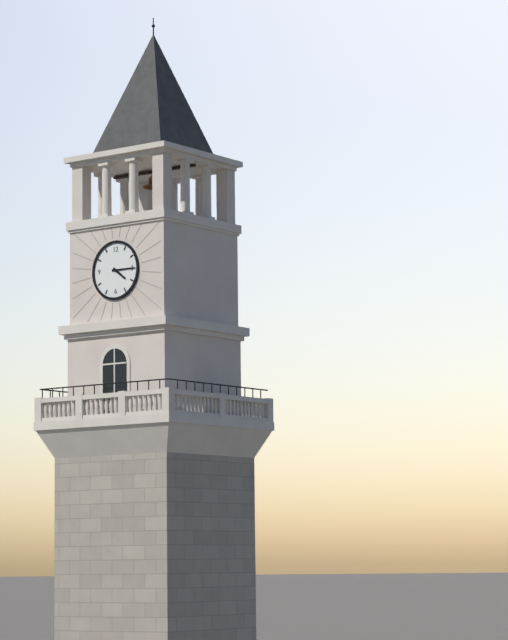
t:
4h15
